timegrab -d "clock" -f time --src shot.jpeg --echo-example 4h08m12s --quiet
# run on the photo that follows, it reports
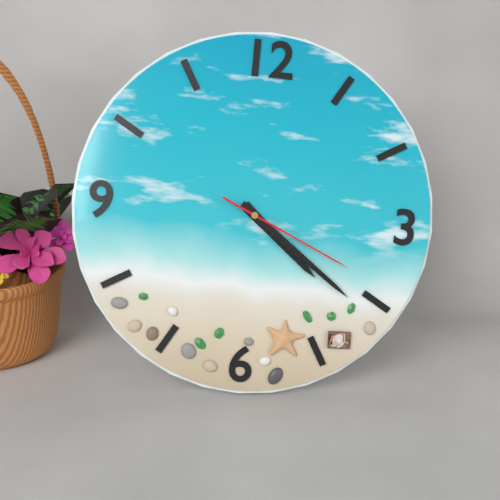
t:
4h21m19s
